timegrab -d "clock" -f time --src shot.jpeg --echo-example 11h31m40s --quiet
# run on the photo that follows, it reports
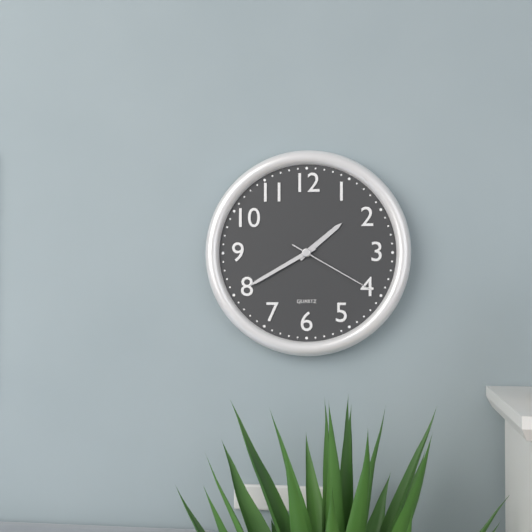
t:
1h40m20s
